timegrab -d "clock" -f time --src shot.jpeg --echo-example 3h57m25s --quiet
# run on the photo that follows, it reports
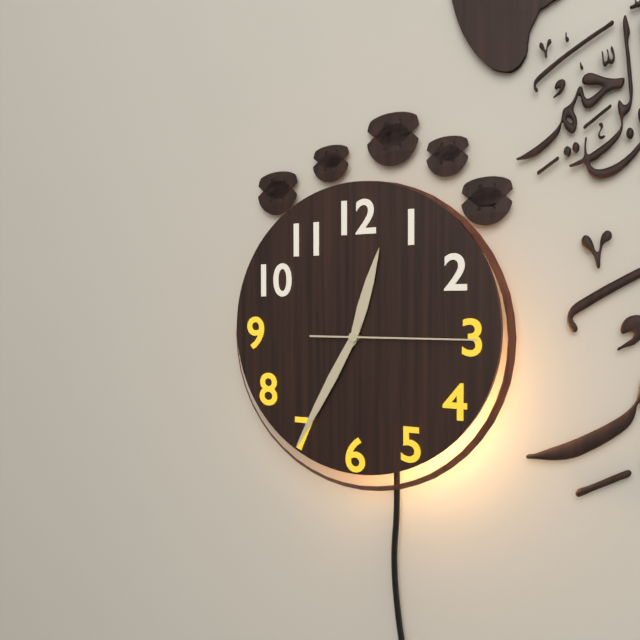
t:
12h35m15s
